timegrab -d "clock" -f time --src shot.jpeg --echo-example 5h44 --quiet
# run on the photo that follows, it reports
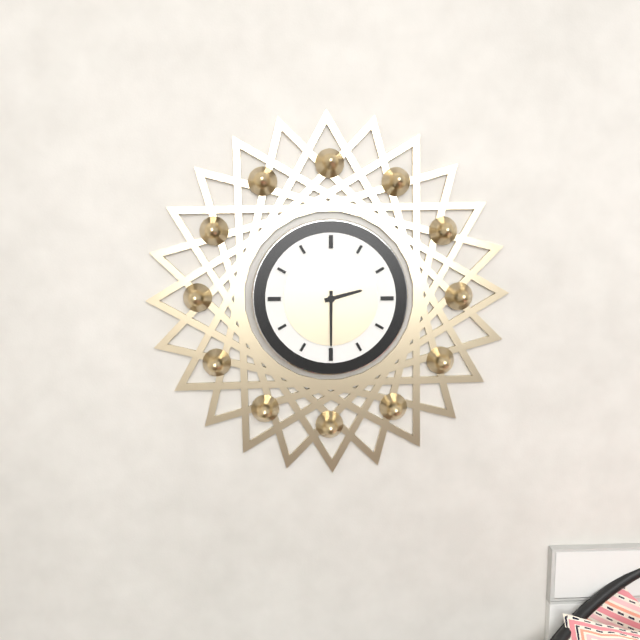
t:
2h30
